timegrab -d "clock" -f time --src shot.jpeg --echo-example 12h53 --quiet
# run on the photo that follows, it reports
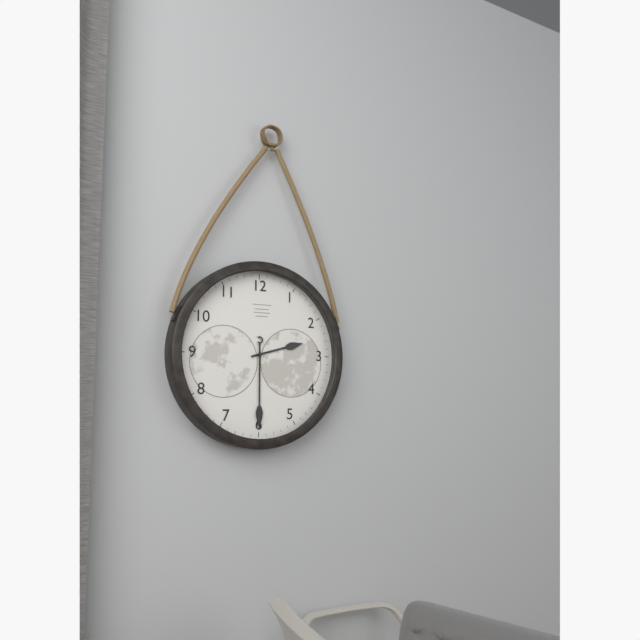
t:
2h30
